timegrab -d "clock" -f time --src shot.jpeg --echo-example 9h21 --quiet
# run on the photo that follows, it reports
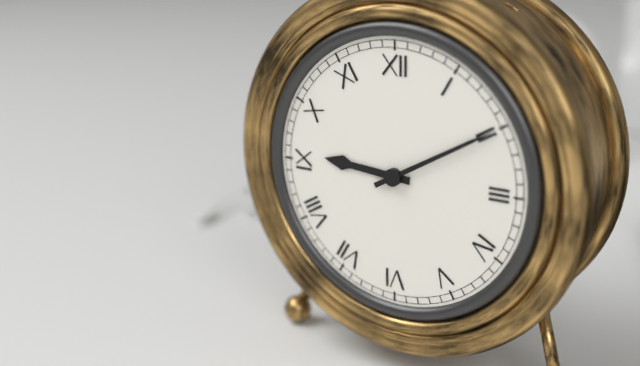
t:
9h10
